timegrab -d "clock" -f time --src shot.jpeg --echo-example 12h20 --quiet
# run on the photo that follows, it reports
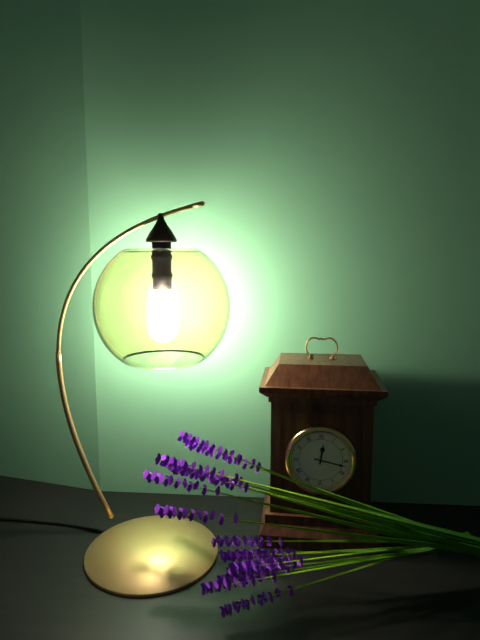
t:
12h17
